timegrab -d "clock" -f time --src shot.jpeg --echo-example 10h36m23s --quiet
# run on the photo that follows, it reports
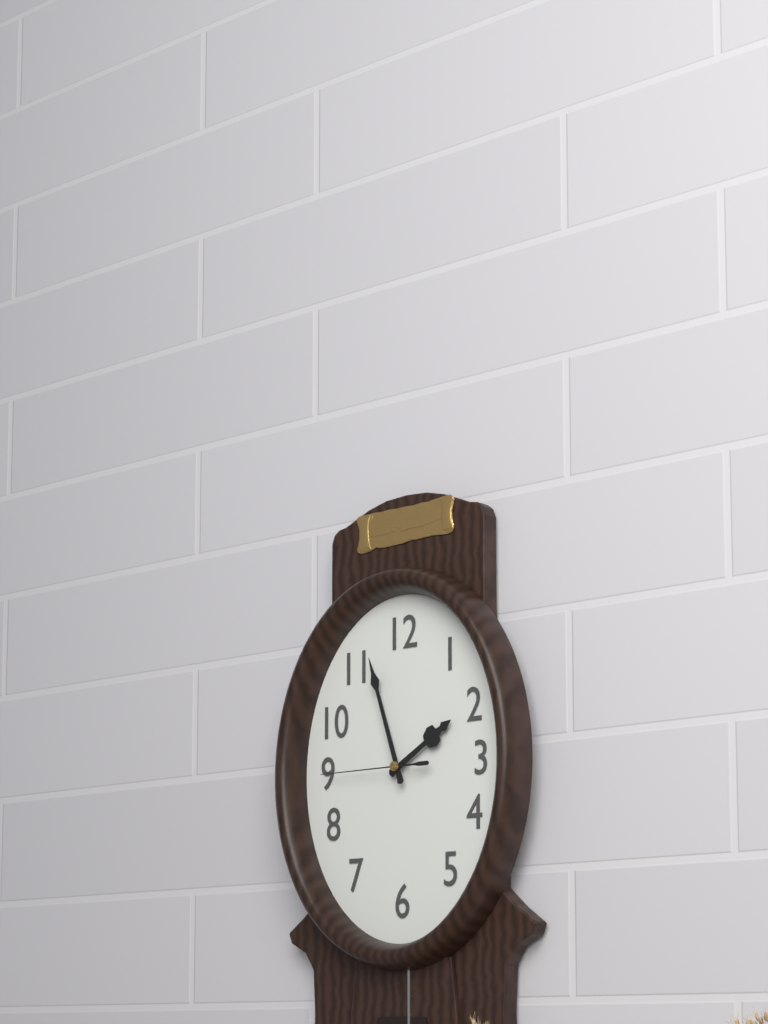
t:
1h57m45s
